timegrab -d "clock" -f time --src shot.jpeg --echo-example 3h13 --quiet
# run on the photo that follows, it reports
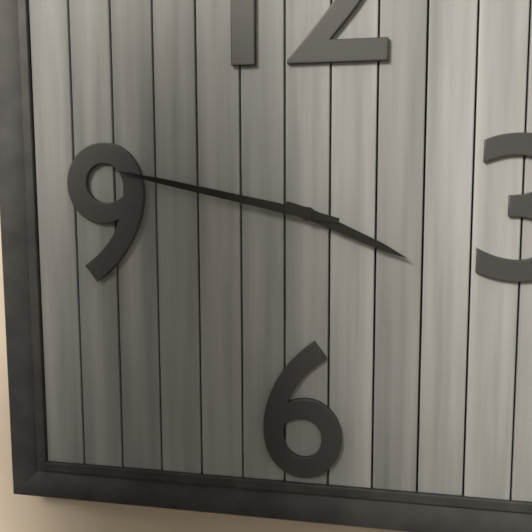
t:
3h47
